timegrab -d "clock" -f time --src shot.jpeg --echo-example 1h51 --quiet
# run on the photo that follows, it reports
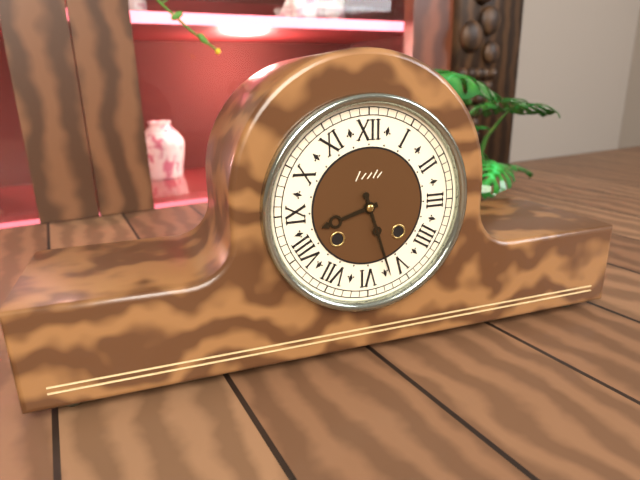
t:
8h27
